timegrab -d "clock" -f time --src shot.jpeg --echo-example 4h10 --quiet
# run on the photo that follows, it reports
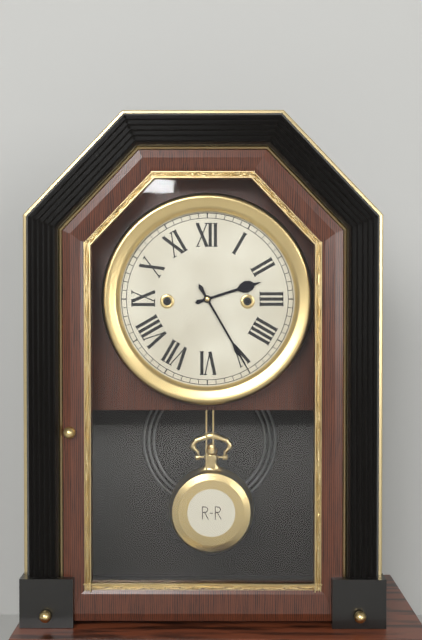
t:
2h25
